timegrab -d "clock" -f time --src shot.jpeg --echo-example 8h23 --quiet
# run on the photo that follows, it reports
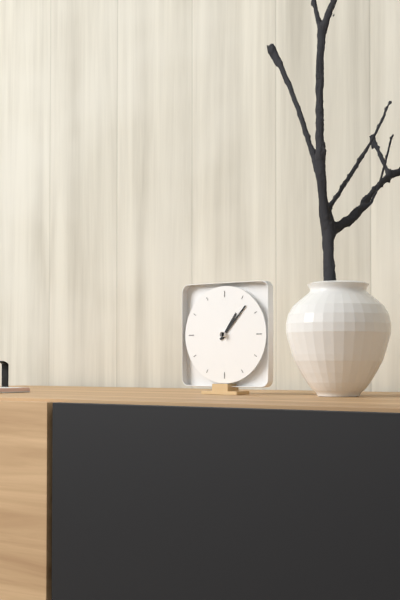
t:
1h07
